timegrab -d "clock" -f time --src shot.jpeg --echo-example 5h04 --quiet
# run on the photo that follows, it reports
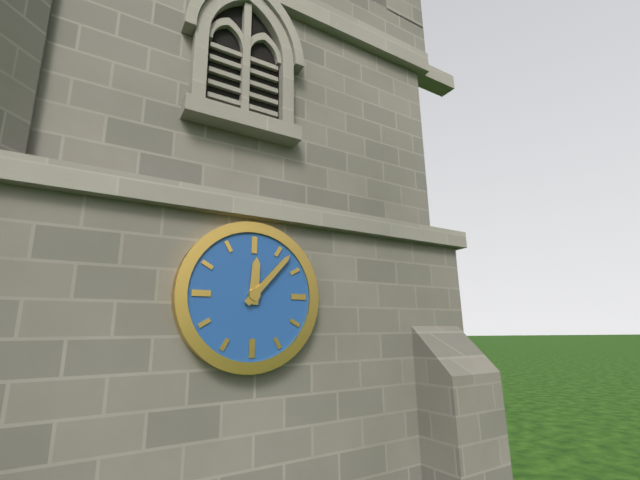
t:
12h07
